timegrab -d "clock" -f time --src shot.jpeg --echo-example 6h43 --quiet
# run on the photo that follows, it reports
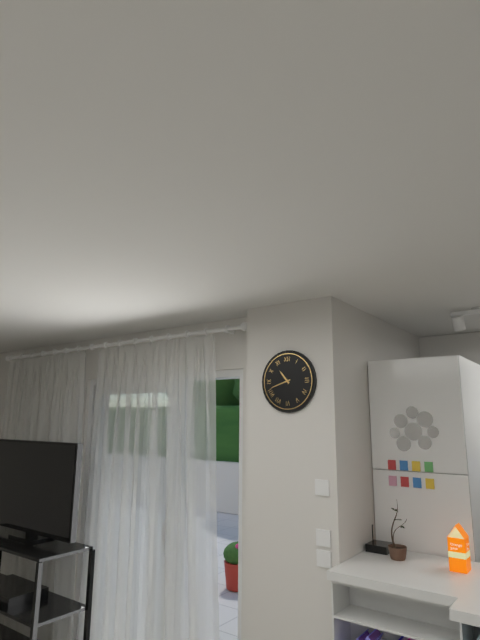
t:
10h42
